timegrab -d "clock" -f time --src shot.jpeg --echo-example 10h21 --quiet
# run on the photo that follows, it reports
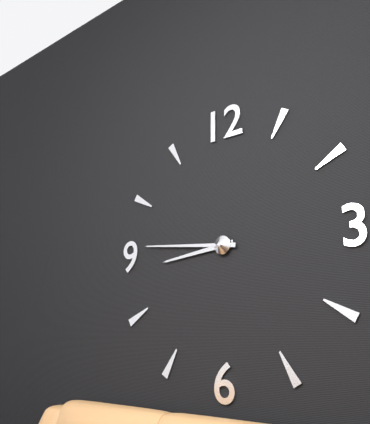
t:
8h46
